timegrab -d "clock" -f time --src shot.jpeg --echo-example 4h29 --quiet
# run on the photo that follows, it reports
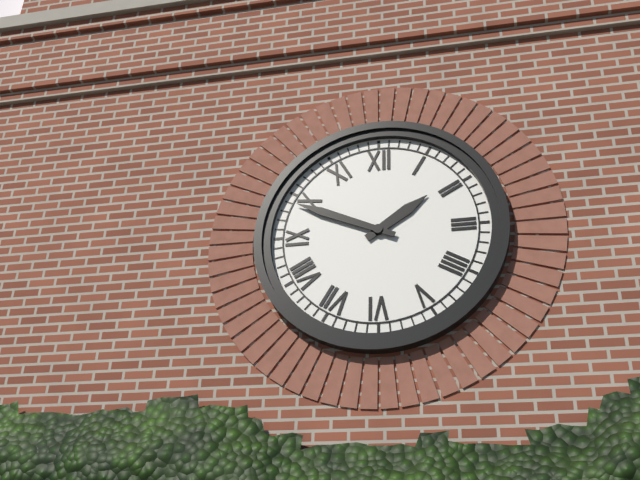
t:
1h49
